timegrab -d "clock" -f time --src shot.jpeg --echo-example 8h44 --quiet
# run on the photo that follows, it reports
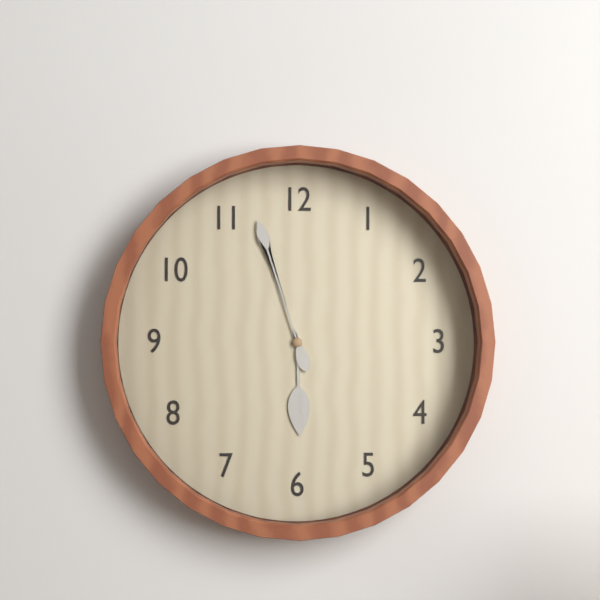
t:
5h57
